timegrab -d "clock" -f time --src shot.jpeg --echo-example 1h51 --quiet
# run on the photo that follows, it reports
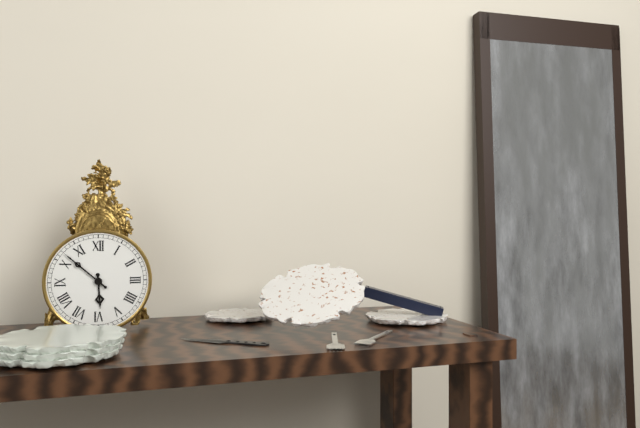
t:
5h52
